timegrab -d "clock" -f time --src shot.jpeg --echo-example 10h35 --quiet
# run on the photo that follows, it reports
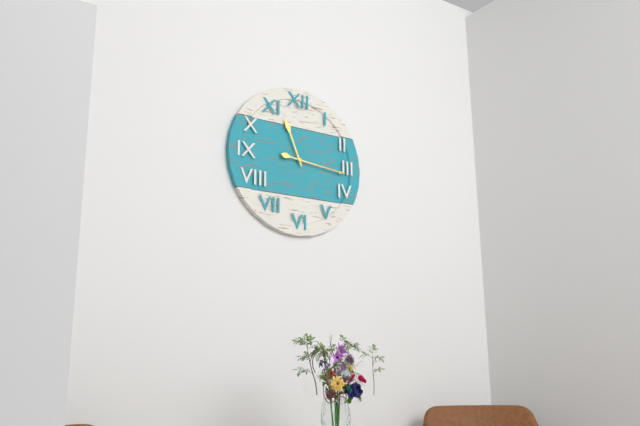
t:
11h16
